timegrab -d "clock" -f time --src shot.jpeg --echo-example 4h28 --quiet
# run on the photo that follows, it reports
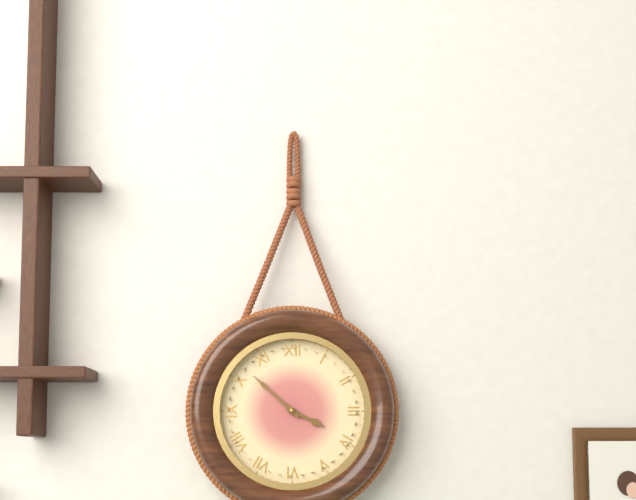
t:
3h52
